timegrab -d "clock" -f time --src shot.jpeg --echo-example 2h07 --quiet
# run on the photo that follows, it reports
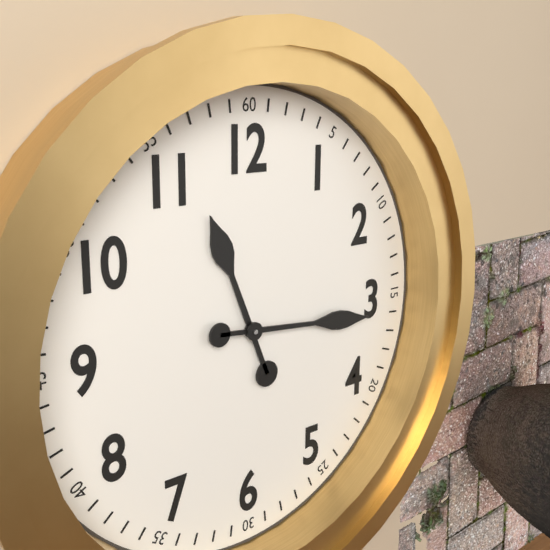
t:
11h16
